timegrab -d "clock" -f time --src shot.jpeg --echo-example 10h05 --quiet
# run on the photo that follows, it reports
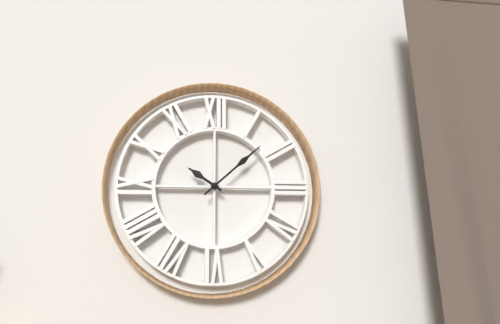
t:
10h08
